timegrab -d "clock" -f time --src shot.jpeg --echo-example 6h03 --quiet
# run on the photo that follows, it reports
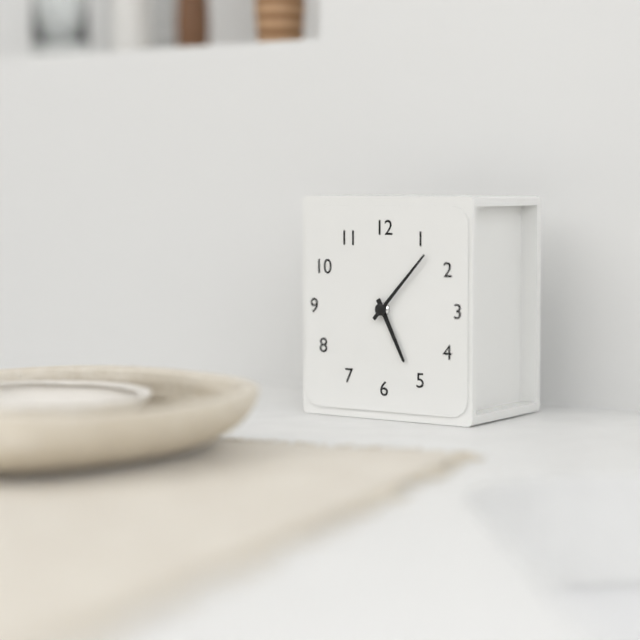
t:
5h07
